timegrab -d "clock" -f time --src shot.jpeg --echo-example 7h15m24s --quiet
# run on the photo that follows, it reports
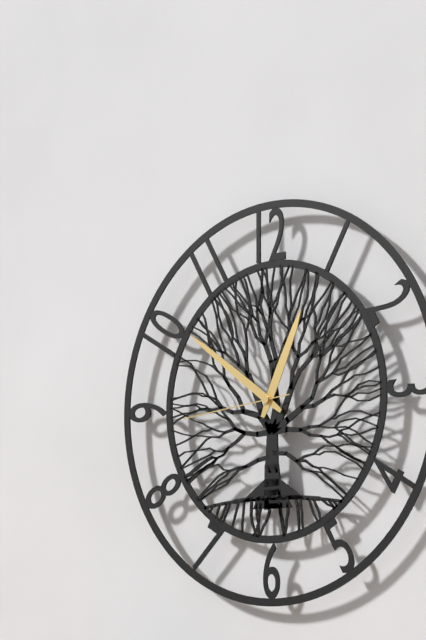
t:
12h51m44s
